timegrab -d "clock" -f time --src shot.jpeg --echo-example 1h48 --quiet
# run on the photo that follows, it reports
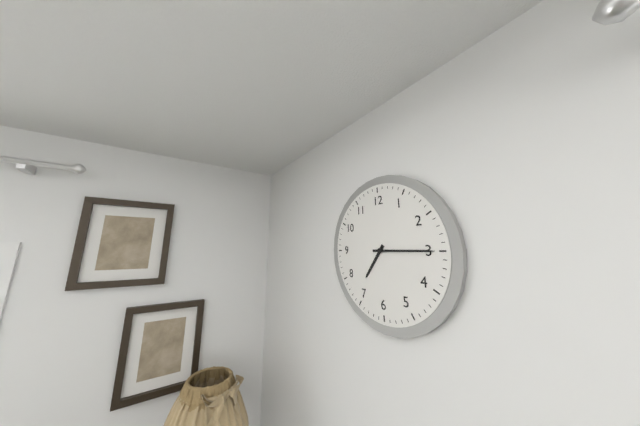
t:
7h15
